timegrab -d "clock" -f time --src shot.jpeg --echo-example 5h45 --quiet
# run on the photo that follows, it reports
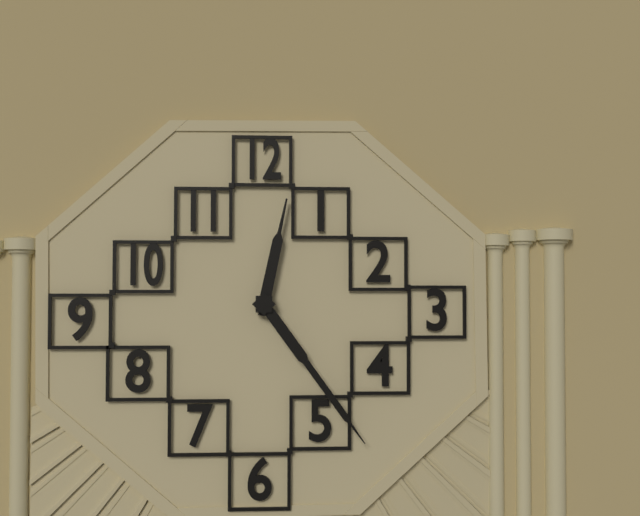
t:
12h24
